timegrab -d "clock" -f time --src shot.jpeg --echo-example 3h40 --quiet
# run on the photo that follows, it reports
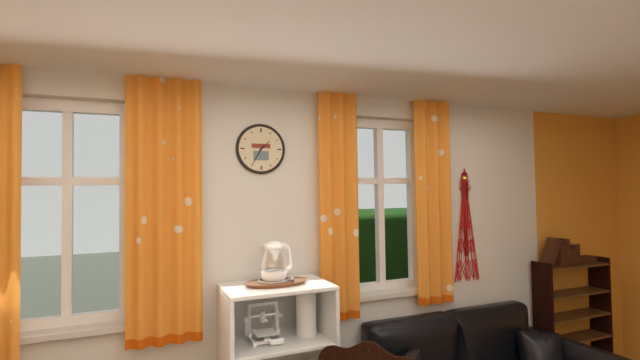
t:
1h35
